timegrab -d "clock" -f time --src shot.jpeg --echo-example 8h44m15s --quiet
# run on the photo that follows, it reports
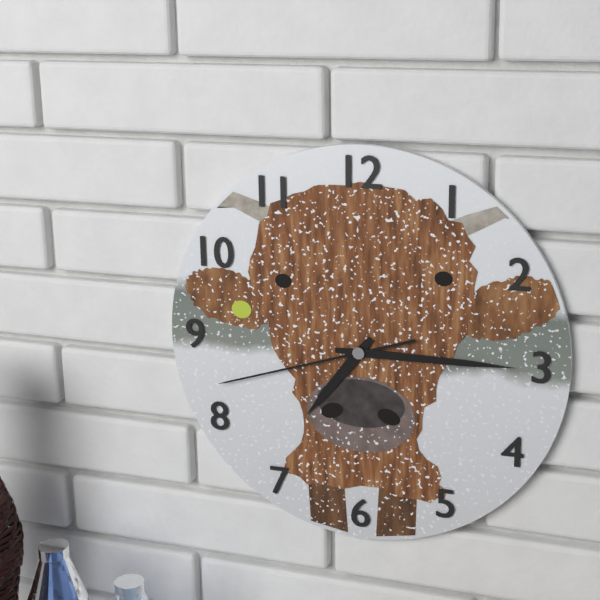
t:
7h15m42s
